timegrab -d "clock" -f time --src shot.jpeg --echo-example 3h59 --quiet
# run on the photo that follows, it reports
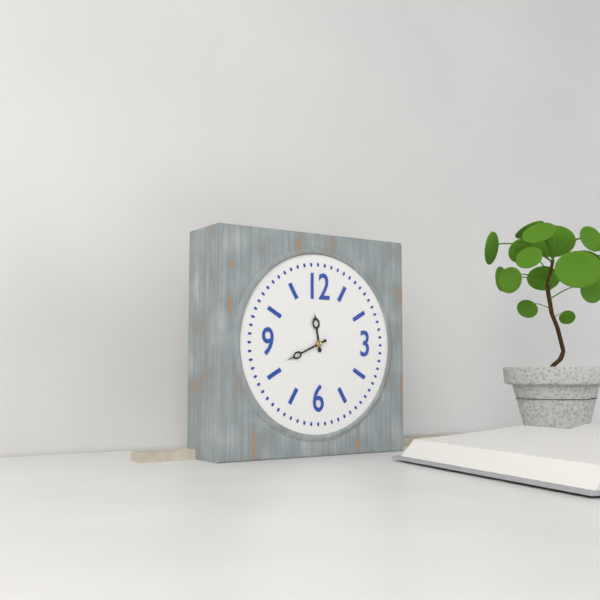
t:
11h41
